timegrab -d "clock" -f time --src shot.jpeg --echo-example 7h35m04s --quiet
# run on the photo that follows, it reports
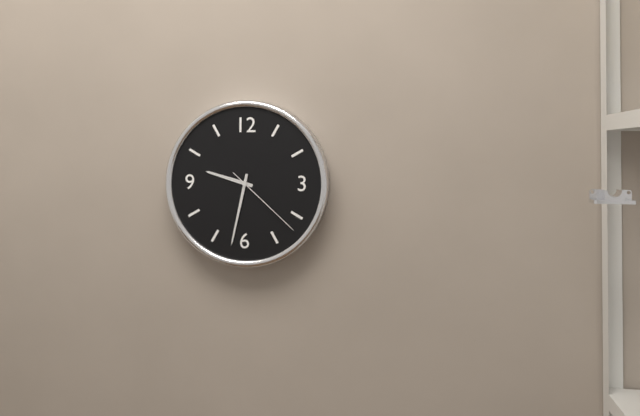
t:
9h32m22s
